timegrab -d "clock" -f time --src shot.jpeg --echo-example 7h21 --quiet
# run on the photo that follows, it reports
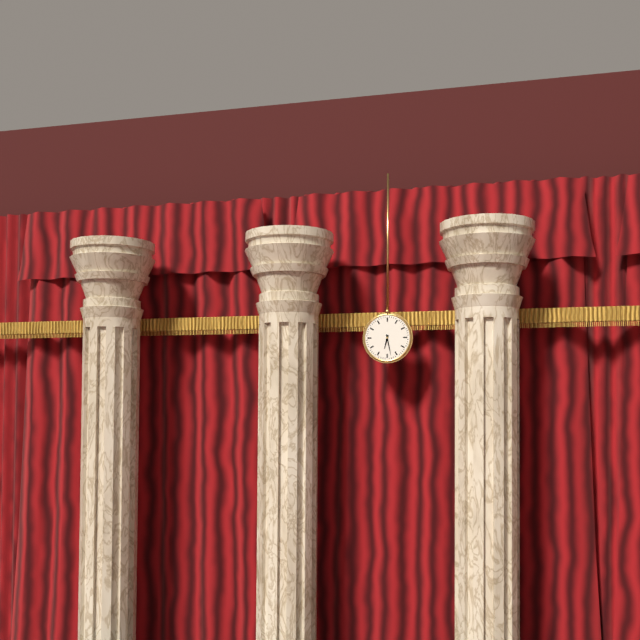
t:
6h28
